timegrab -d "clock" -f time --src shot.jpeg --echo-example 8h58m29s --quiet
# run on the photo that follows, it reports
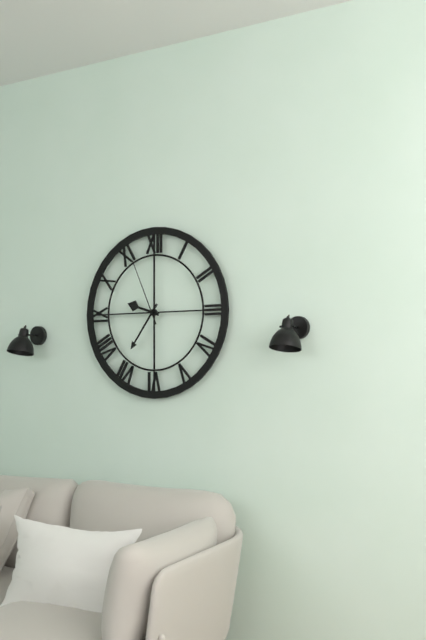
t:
9h36m56s
